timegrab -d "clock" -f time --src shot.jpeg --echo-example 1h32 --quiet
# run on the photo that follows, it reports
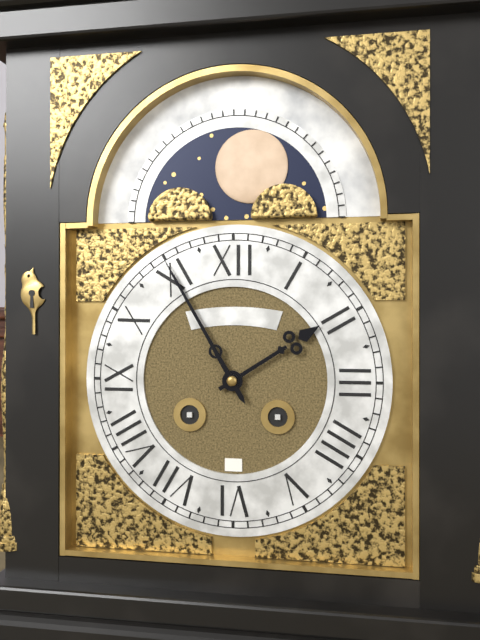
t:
1h55
